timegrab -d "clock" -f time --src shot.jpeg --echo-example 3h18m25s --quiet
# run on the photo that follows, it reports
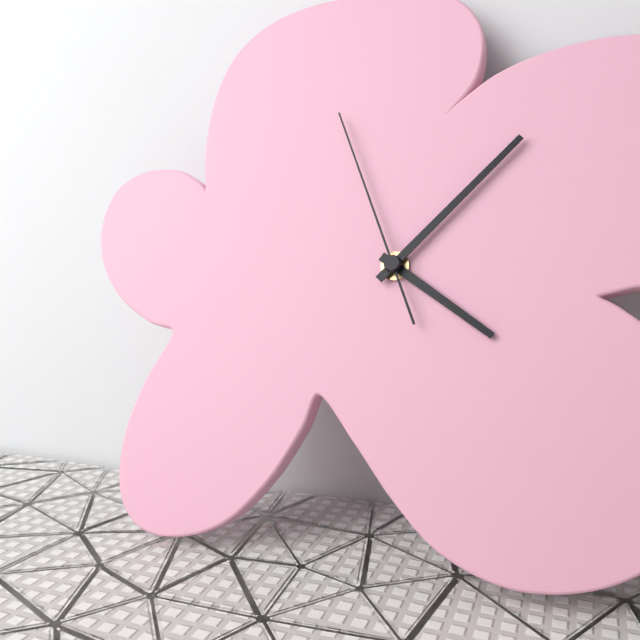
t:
4h07m56s
